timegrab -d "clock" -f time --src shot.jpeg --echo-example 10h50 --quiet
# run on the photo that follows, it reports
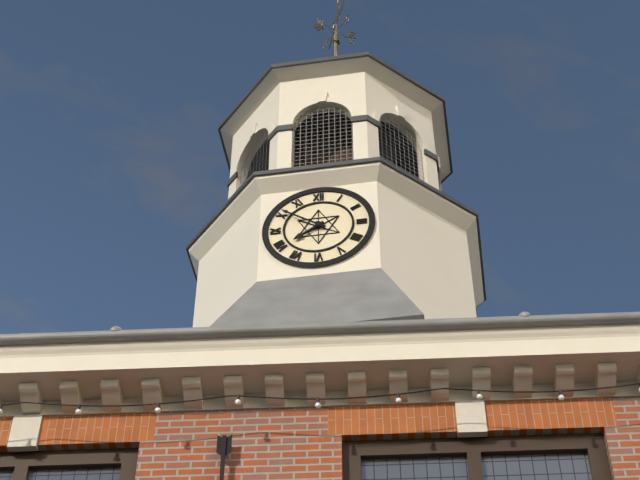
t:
7h51
